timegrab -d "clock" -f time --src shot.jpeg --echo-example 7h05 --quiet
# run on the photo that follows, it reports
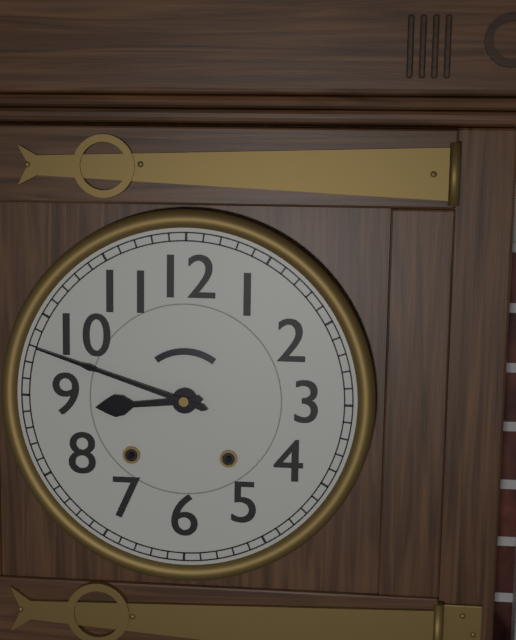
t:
8h48
